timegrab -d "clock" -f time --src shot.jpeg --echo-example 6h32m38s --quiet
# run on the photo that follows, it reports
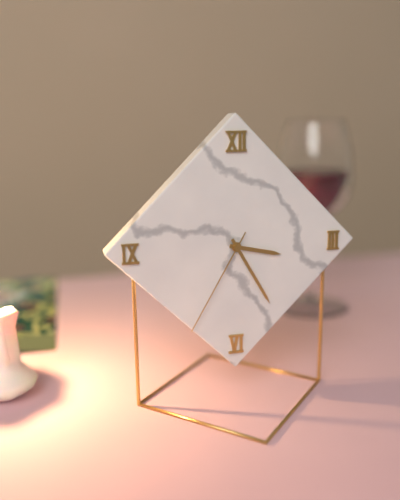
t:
3h25m35s
